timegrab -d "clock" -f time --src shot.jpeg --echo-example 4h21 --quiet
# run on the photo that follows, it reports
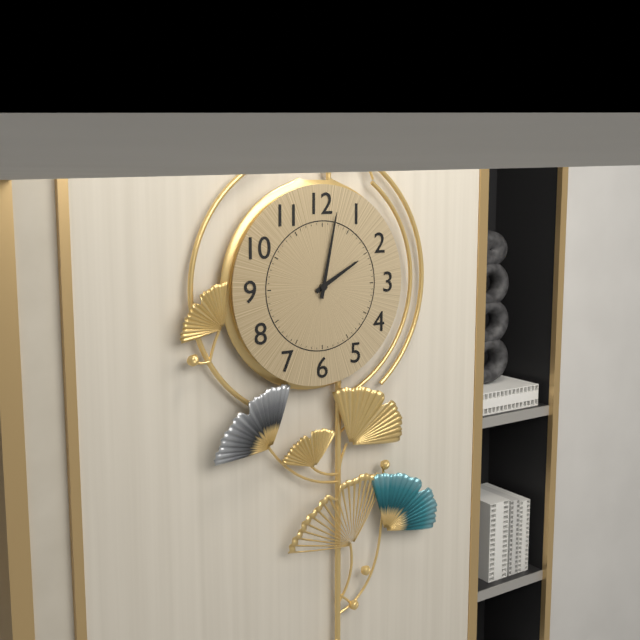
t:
2h02
